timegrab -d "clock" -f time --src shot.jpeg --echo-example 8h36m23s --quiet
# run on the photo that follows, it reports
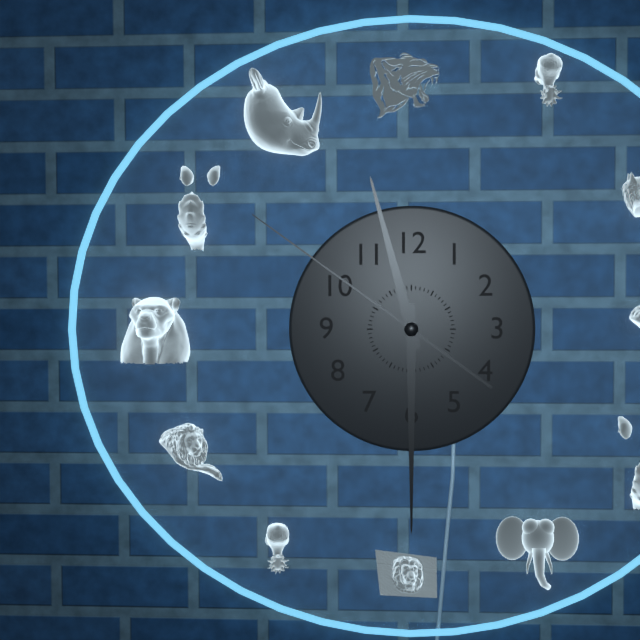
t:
11h30m51s
